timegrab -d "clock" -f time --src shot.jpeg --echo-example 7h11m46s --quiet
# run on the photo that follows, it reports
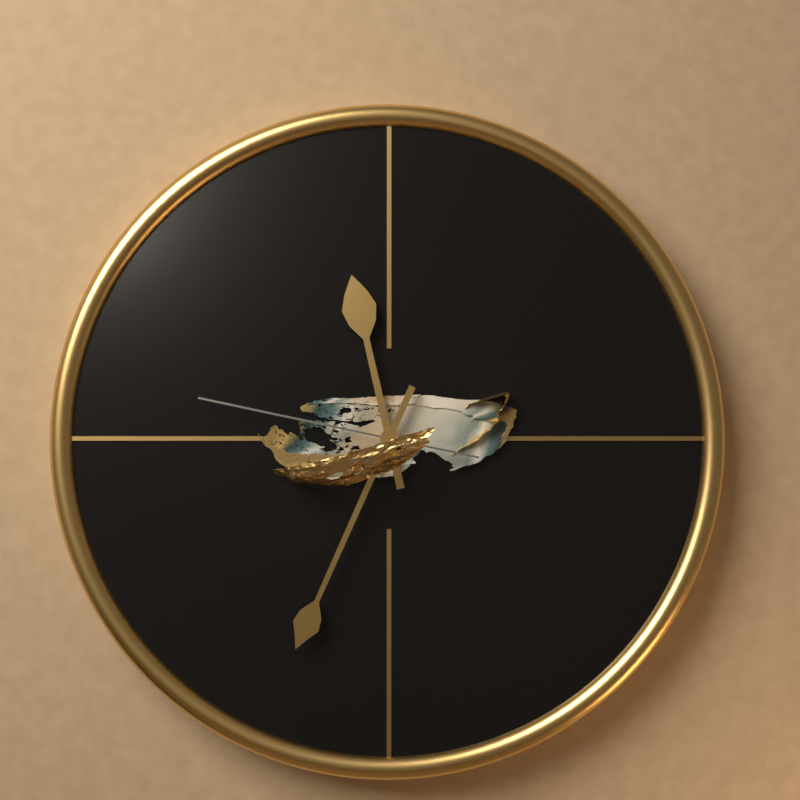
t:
11h34m47s
